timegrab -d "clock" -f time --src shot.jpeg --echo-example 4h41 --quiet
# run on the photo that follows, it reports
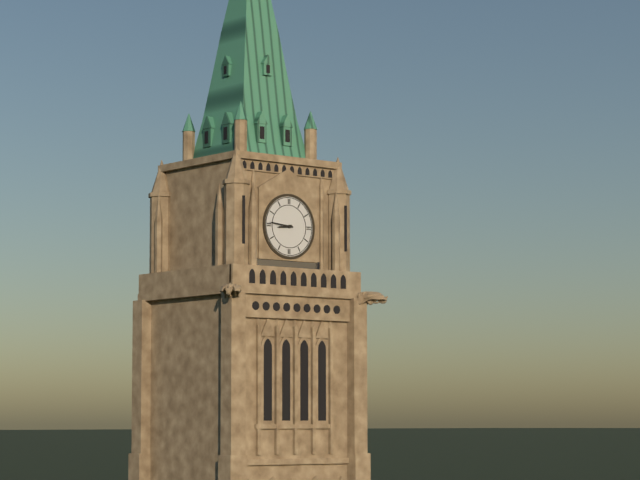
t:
8h46
